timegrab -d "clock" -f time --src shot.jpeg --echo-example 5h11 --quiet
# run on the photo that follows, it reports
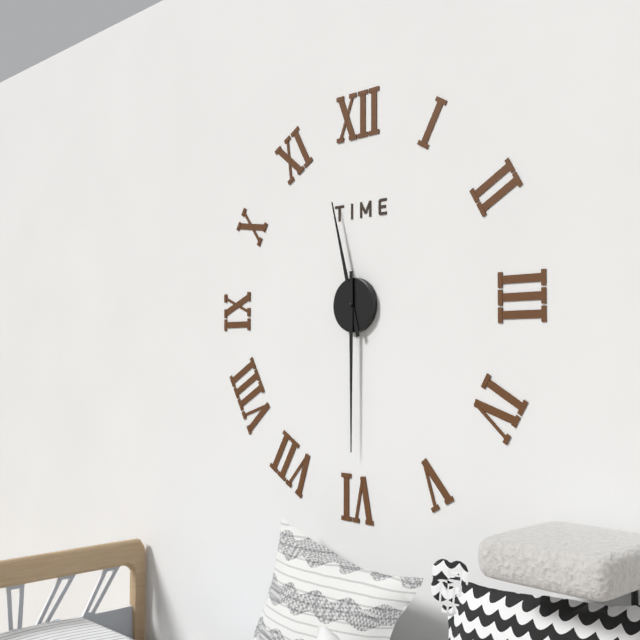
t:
11h30
